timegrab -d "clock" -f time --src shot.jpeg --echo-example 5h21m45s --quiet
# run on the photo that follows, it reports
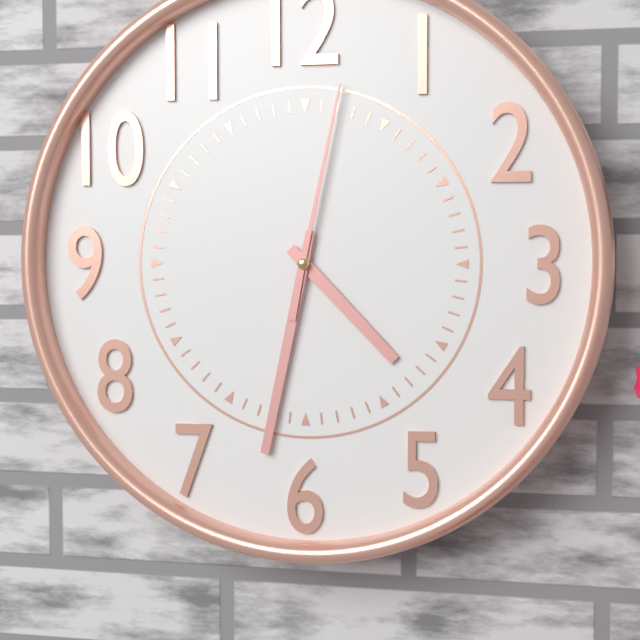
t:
4h32m02s
